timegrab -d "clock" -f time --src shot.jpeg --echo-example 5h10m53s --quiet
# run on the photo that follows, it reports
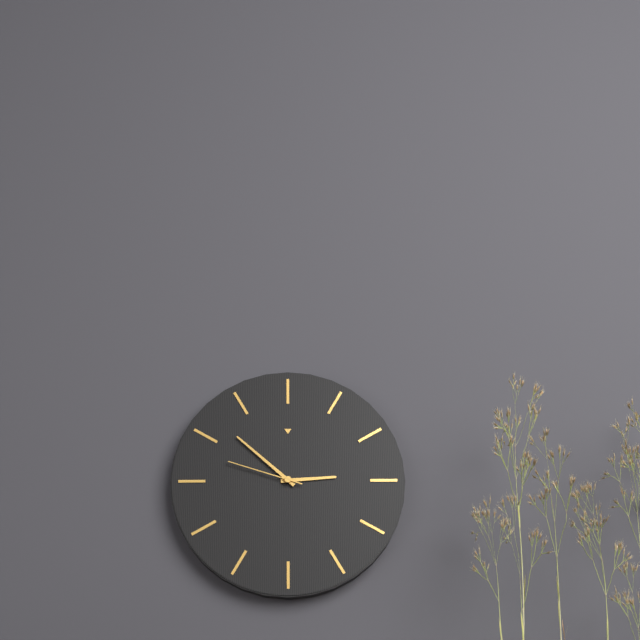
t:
2h52m48s
